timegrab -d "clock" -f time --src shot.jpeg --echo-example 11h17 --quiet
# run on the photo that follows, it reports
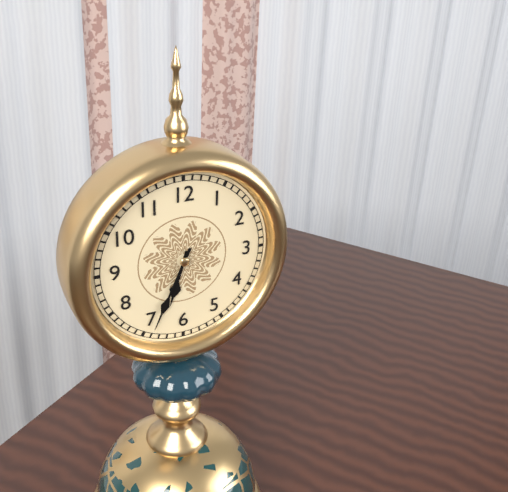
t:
6h34
